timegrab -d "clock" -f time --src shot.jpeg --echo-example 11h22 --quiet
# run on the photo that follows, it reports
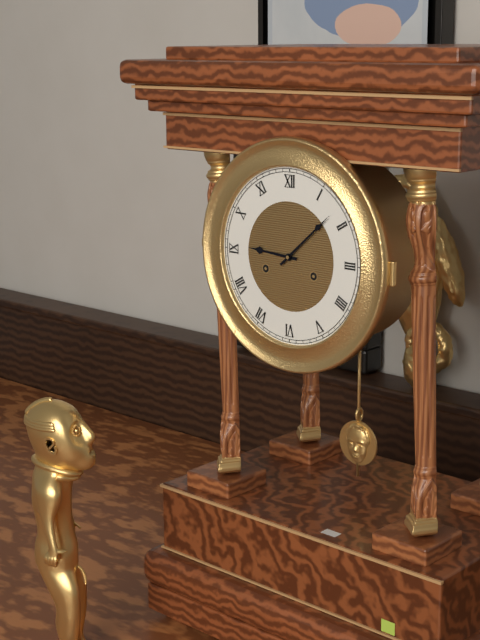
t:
9h08
